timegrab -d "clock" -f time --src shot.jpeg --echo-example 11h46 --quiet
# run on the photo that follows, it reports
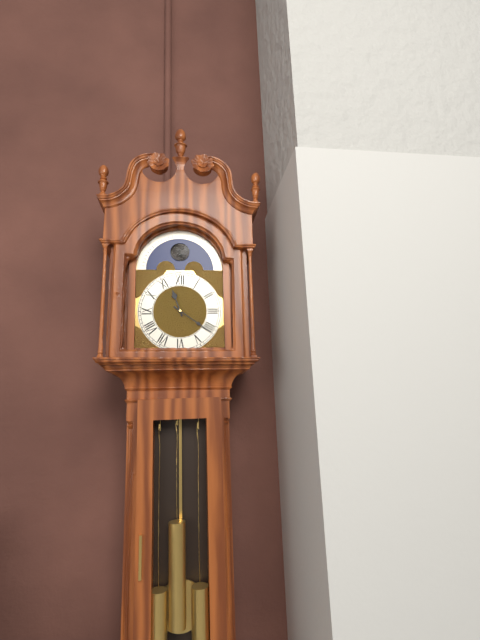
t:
11h21
